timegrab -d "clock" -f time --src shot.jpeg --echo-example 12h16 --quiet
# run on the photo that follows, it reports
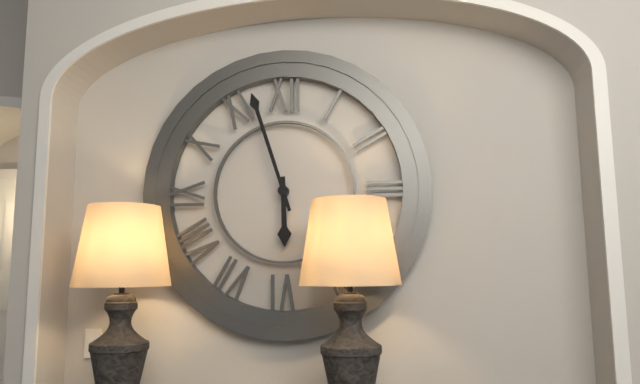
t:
5h57
